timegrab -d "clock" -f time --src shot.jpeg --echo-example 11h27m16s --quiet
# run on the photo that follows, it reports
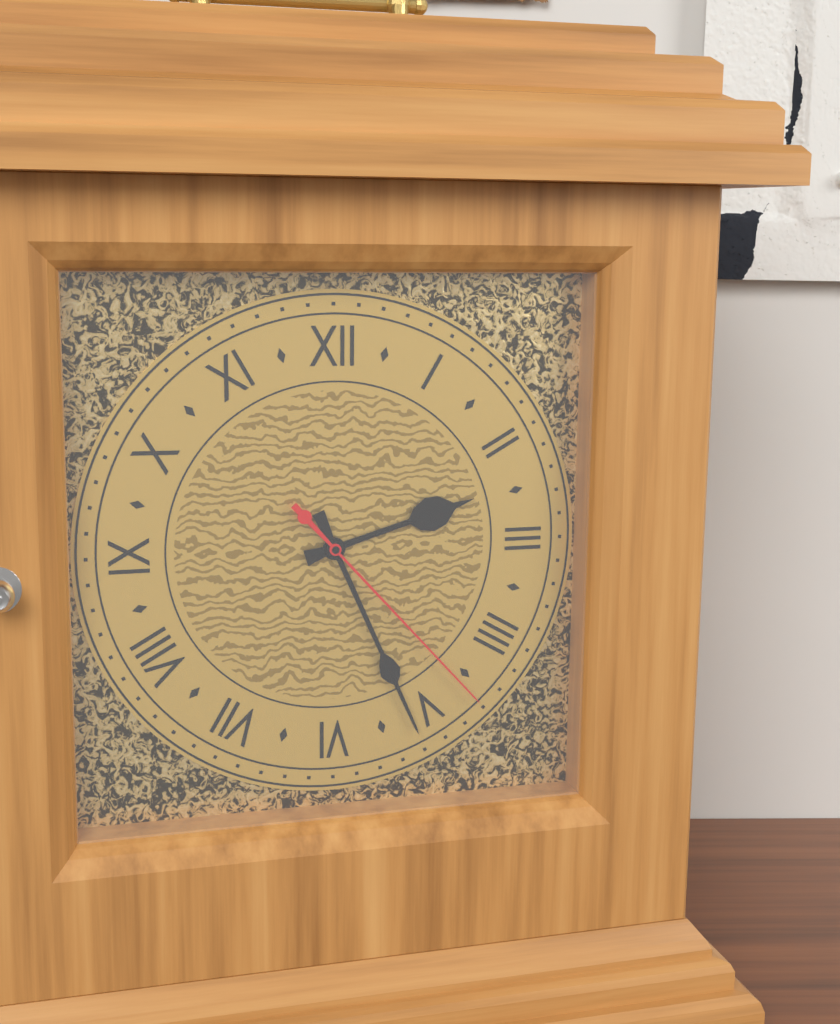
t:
2h26m23s
